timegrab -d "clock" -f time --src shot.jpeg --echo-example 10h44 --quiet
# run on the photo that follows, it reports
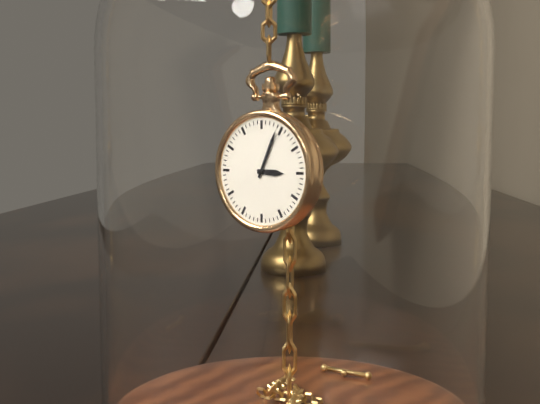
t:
3h04
